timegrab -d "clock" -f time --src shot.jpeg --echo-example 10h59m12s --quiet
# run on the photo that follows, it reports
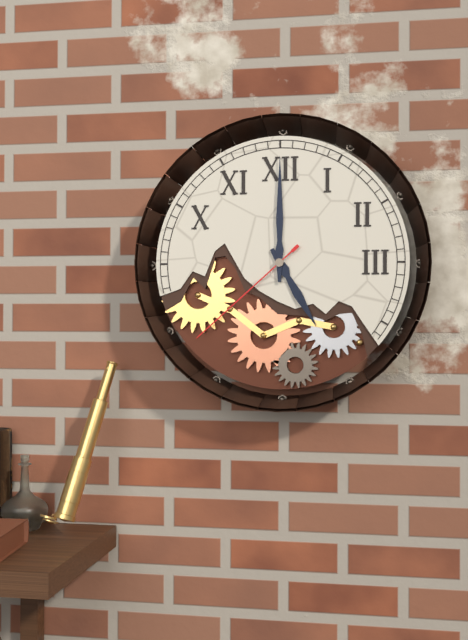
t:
5h00m38s
